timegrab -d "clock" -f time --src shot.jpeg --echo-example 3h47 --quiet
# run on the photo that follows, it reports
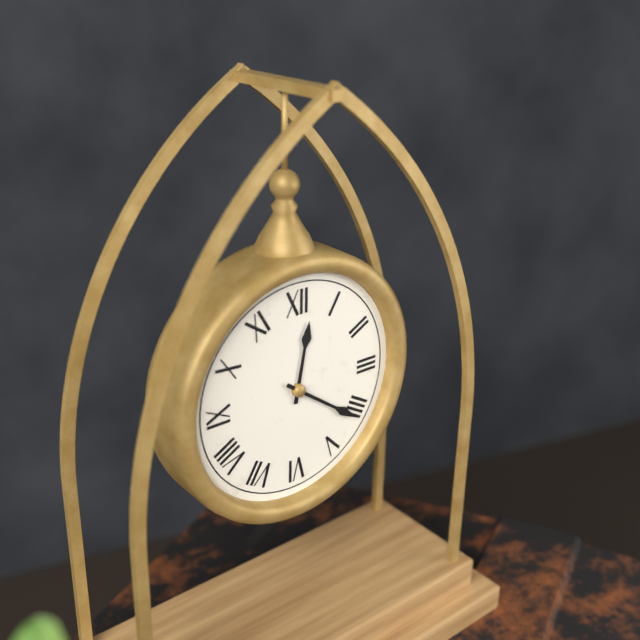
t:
12h21
